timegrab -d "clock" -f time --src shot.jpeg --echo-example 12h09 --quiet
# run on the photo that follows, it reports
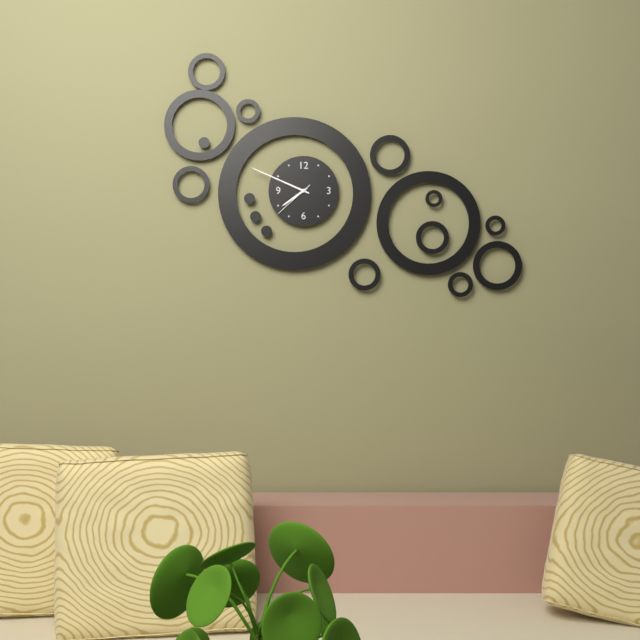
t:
7h49
